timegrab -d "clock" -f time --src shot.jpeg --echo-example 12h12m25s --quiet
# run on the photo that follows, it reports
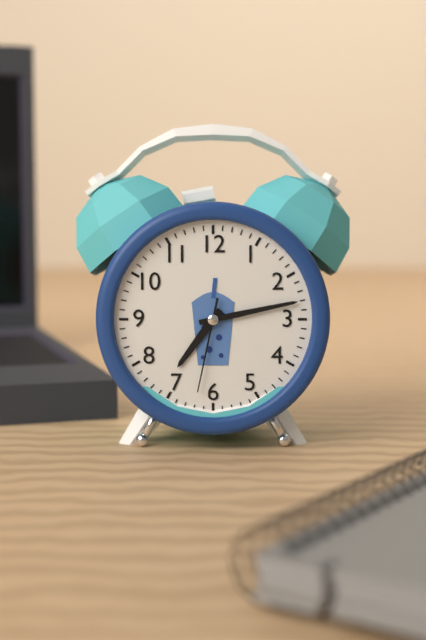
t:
7h13m32s
